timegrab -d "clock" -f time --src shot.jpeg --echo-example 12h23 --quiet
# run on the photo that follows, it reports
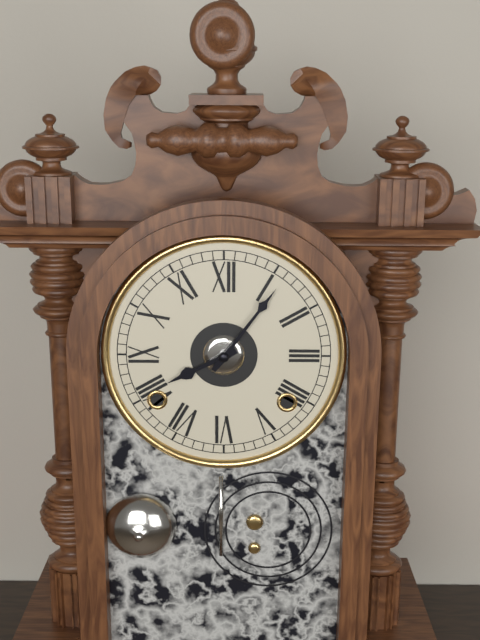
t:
8h06
